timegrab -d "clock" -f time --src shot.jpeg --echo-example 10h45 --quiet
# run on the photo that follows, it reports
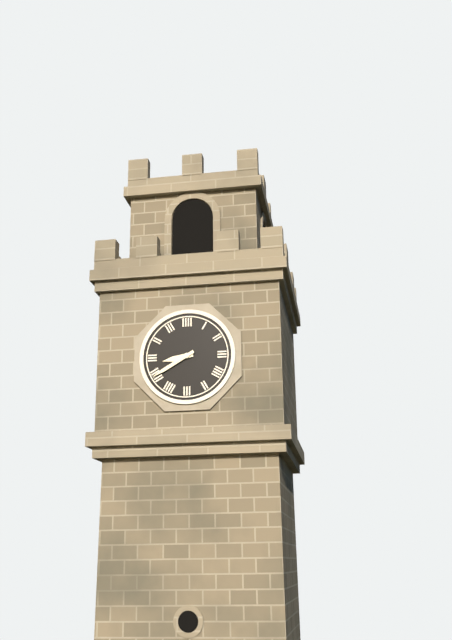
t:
8h40
